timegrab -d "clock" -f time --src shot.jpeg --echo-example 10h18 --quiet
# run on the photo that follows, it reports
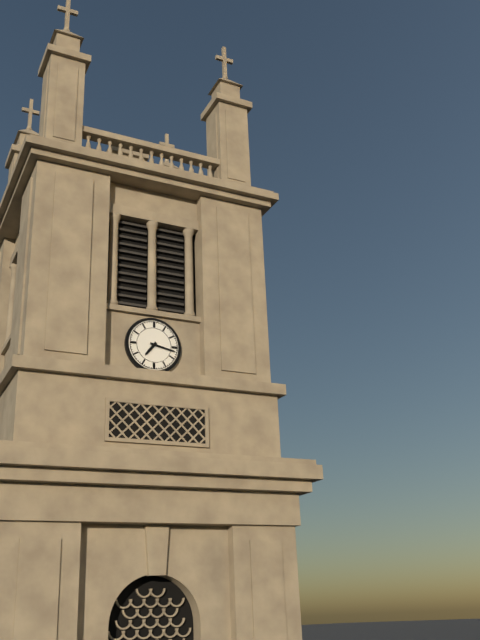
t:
7h17
